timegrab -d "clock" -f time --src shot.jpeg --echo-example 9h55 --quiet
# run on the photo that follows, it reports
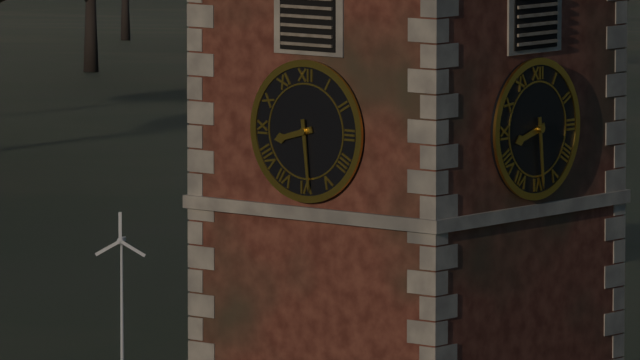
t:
8h29
